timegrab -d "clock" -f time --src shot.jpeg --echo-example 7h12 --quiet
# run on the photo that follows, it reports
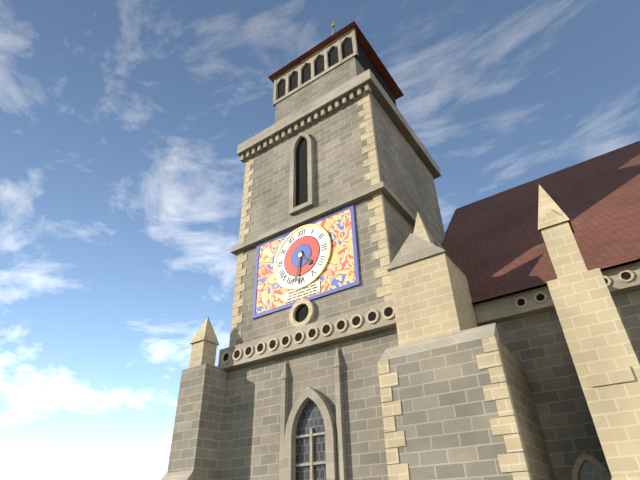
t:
4h32
